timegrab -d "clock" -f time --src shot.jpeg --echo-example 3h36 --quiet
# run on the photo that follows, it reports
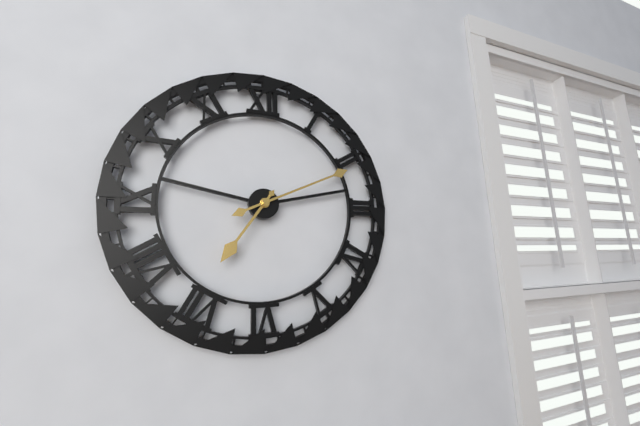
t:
7h11
